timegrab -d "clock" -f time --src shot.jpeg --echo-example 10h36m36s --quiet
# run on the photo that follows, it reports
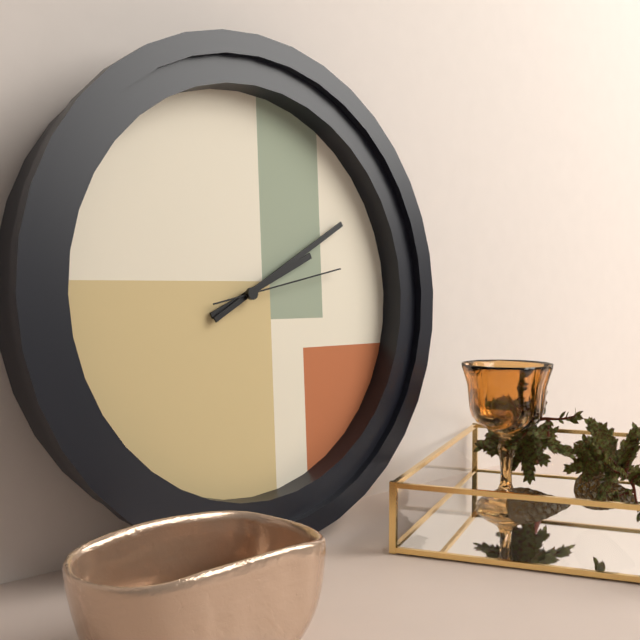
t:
2h10m13s
